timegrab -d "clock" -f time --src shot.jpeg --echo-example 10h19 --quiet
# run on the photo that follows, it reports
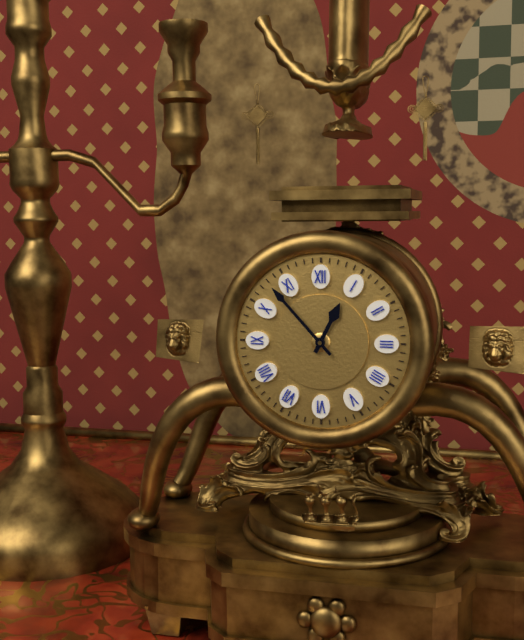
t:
12h53
